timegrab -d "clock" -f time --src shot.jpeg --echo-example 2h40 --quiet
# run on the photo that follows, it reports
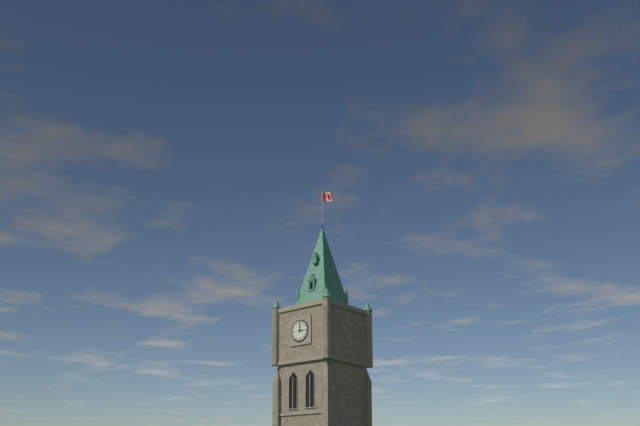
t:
3h01
